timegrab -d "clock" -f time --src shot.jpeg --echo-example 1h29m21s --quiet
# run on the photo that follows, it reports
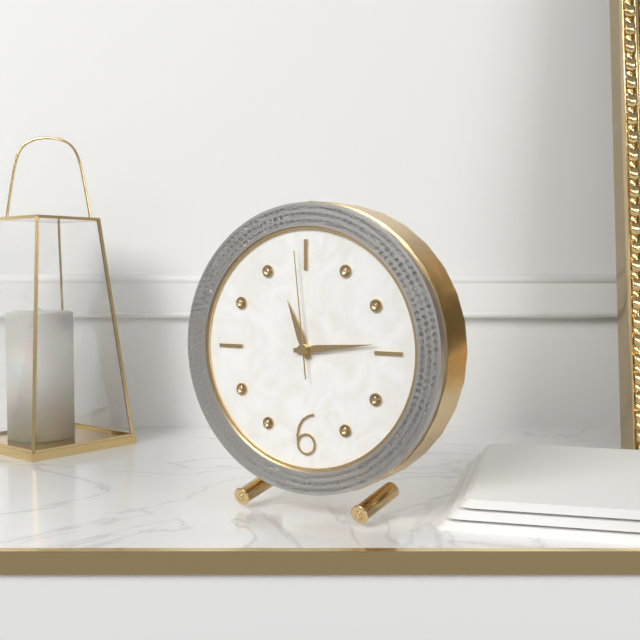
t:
11h14m59s
